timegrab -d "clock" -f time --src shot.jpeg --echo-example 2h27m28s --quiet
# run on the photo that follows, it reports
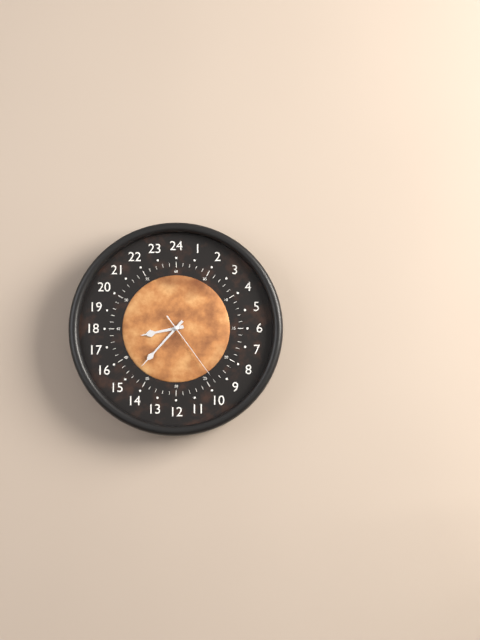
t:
8h37m24s
